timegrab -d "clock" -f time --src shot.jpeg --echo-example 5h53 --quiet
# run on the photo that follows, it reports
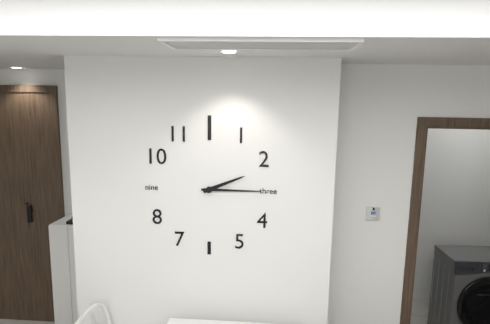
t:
2h15
